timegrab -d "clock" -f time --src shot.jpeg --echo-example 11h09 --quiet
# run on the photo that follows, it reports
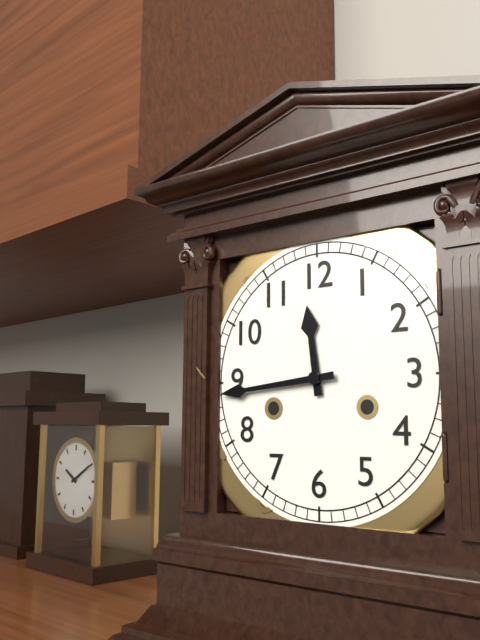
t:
11h44
